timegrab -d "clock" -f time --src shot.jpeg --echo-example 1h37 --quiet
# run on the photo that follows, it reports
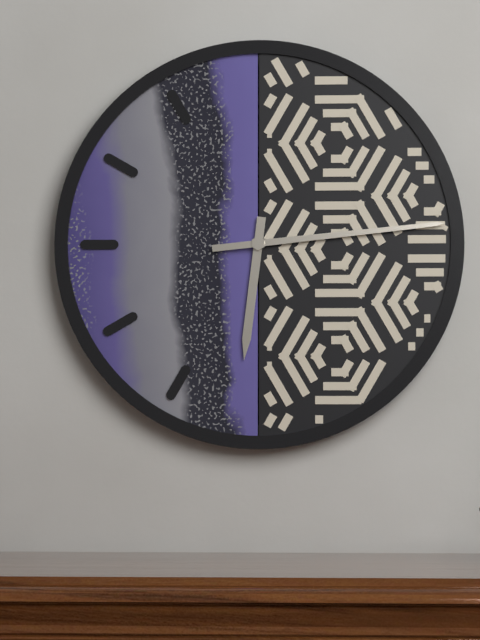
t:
6h14
